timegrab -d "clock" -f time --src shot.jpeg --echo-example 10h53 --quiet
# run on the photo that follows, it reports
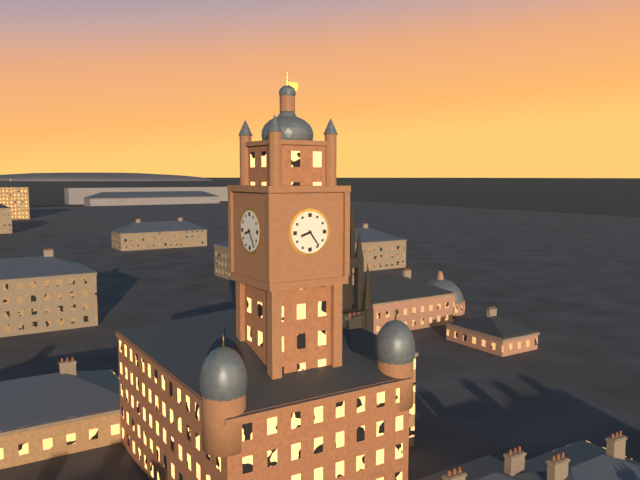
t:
8h24
